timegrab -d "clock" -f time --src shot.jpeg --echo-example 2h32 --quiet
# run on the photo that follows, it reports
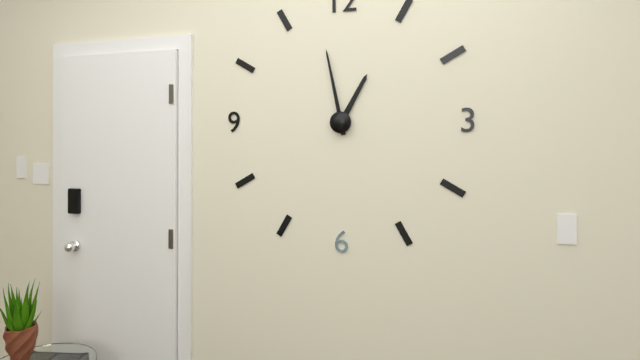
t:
12h58
